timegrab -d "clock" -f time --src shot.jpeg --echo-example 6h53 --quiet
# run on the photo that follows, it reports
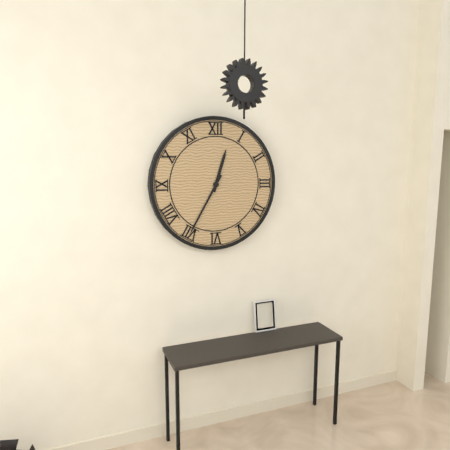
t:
12h35
